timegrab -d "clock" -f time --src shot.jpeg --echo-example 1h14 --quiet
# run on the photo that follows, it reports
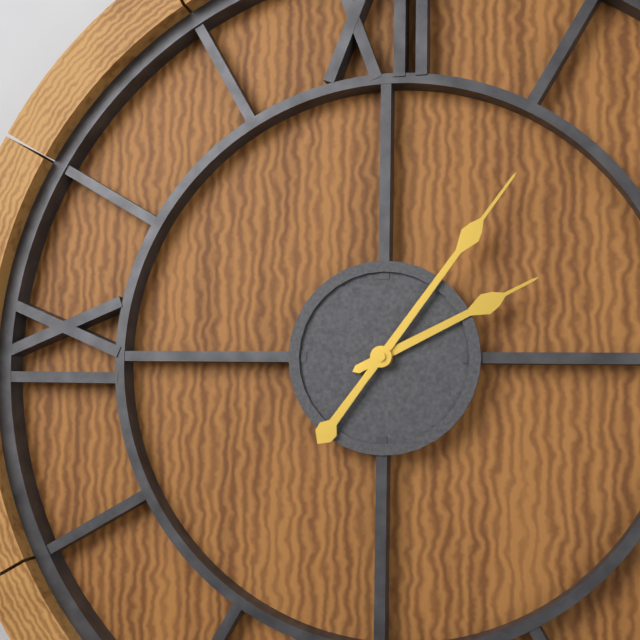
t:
2h06
